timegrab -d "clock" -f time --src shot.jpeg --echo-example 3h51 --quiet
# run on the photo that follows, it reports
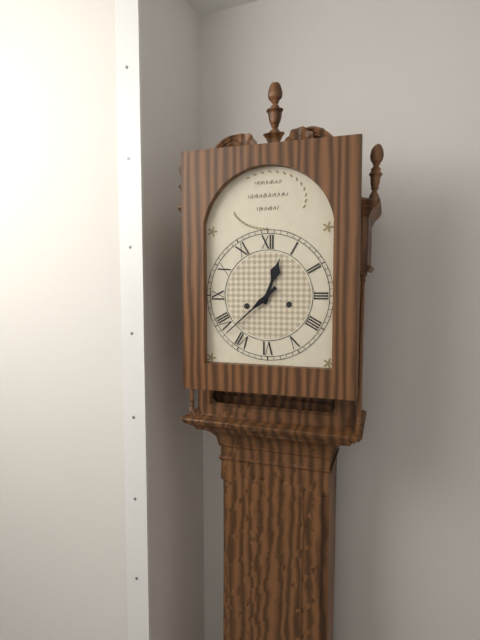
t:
12h38
